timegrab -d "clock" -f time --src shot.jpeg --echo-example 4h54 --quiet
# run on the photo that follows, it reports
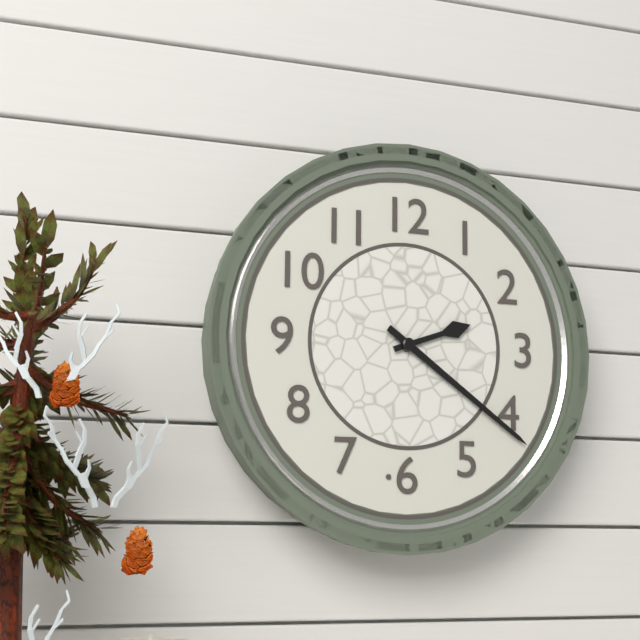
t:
2h21
